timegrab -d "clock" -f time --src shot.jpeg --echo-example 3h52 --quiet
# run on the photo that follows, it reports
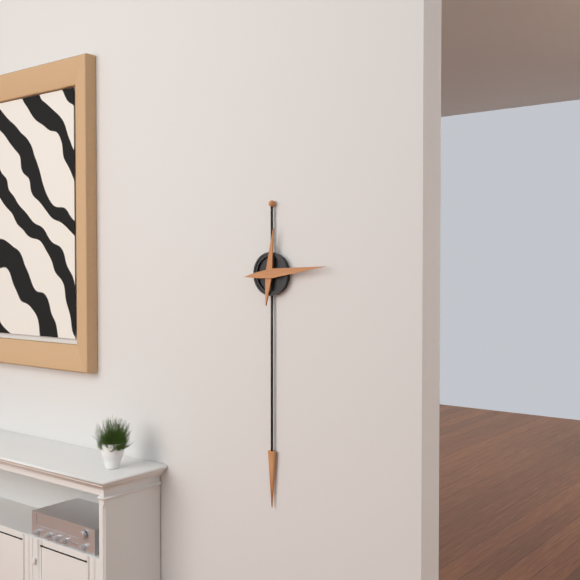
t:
12h14
